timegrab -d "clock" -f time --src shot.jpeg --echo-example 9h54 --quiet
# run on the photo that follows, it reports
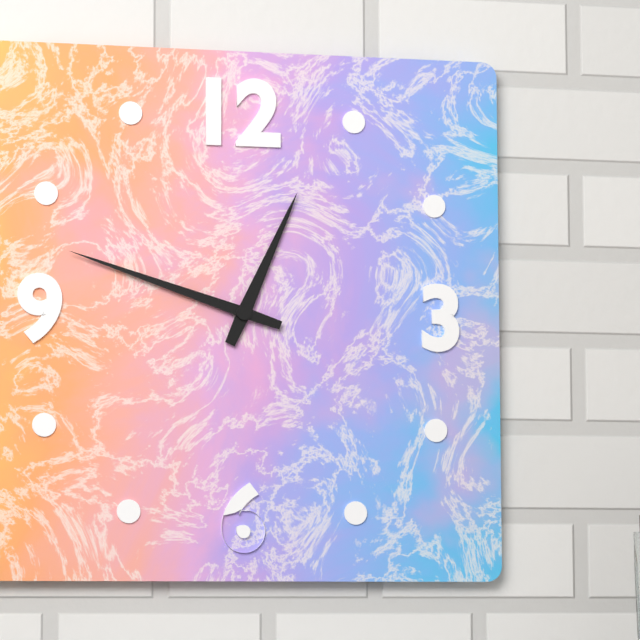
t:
12h48
